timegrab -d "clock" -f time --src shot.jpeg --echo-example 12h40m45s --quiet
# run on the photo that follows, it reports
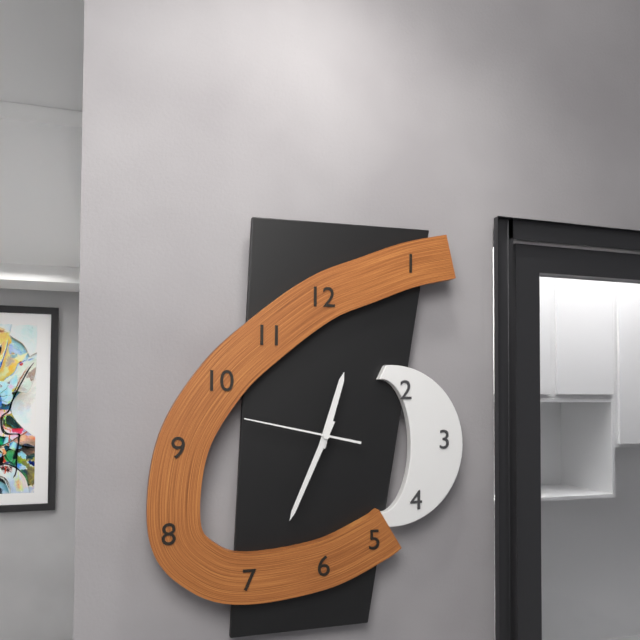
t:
12h34m47s
